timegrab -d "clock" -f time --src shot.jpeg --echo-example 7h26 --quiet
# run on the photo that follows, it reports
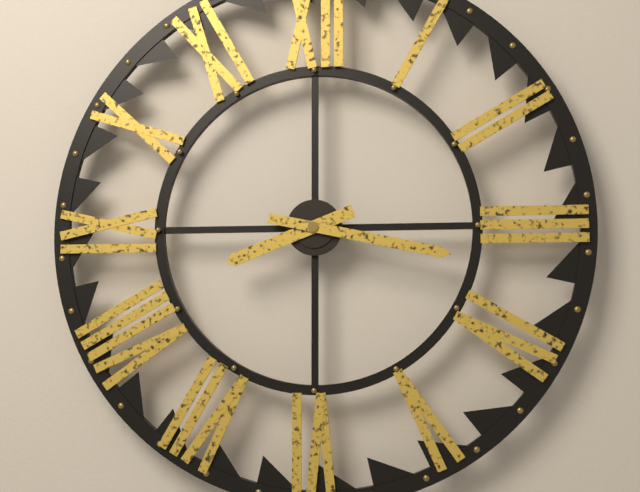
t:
8h17
